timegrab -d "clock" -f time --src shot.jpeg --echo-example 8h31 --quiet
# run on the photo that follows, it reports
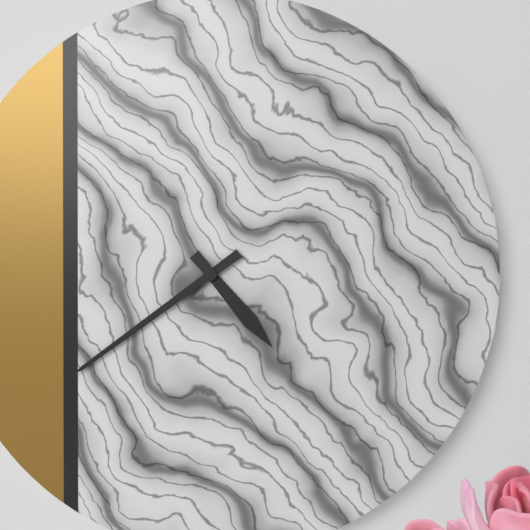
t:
4h39
